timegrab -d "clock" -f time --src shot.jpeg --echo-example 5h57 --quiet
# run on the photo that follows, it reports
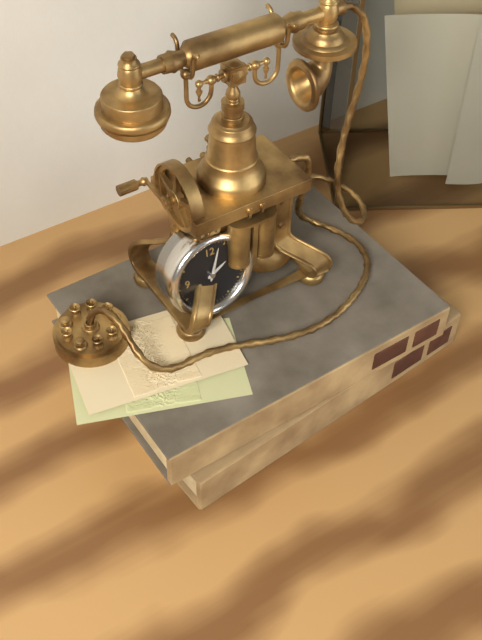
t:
2h03
